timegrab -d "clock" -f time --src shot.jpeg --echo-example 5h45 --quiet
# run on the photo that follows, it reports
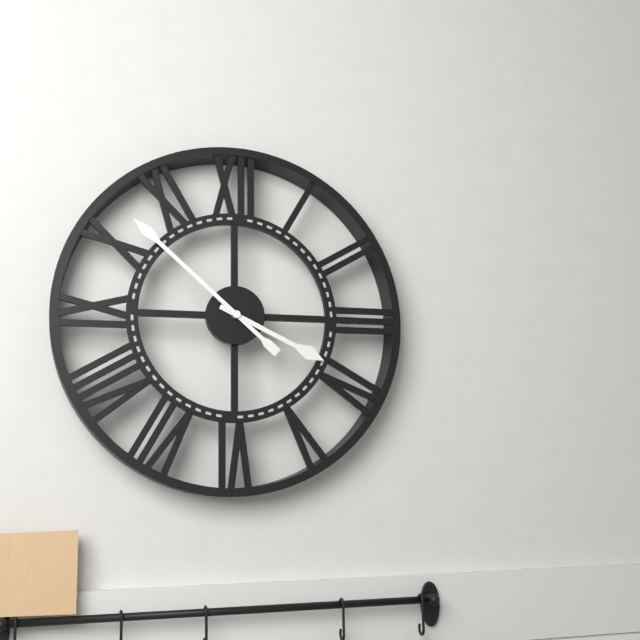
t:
3h52
